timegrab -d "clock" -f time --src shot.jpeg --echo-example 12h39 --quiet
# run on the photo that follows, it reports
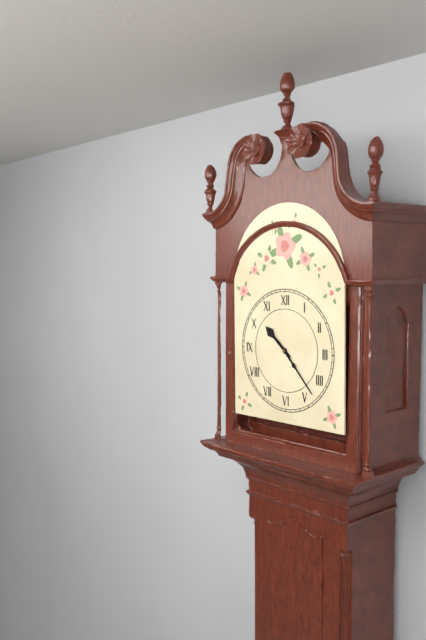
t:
10h23
